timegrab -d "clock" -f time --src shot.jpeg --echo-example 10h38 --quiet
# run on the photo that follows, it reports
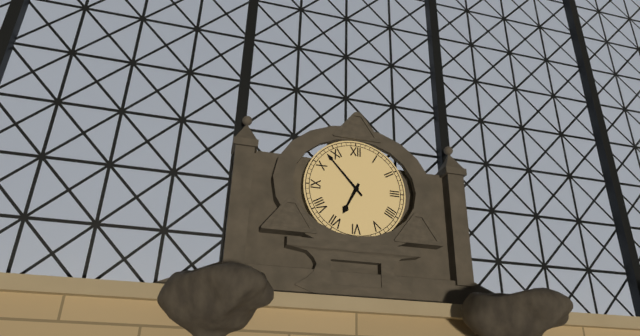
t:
6h53
